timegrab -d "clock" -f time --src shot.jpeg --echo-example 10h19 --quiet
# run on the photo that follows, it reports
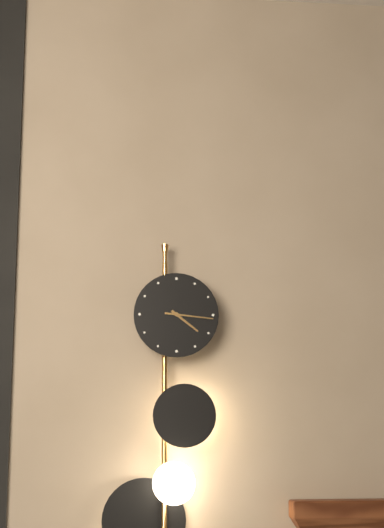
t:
4h16
